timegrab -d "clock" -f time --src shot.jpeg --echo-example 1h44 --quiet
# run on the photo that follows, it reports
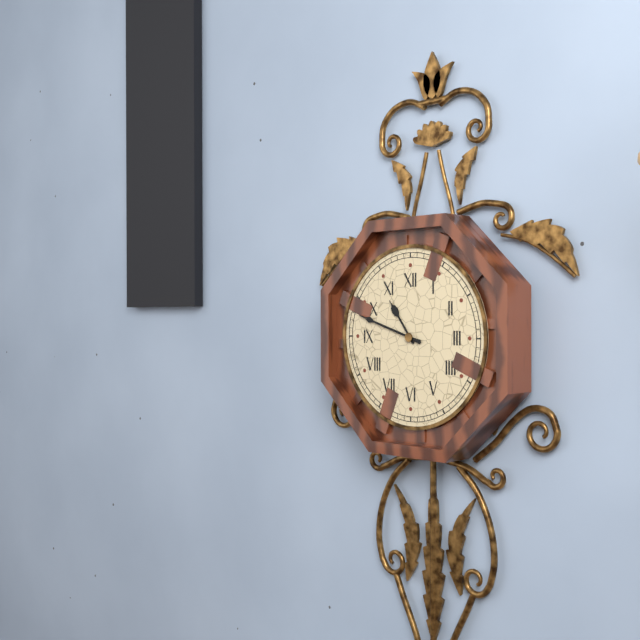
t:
10h48
